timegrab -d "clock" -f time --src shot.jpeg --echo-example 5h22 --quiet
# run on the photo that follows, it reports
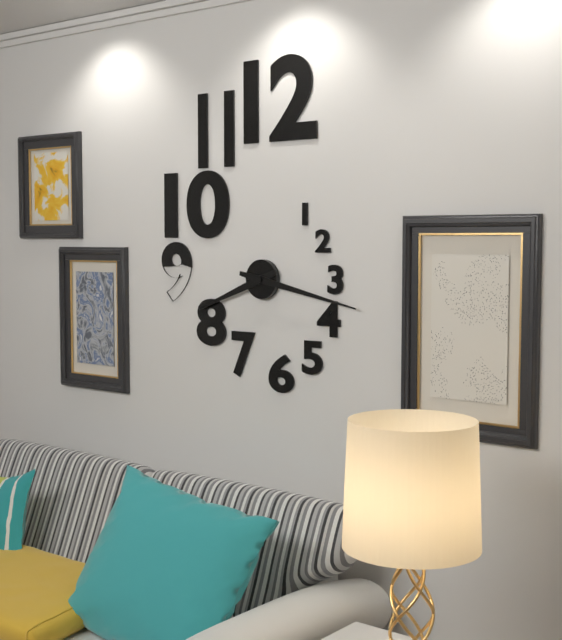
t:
8h17
